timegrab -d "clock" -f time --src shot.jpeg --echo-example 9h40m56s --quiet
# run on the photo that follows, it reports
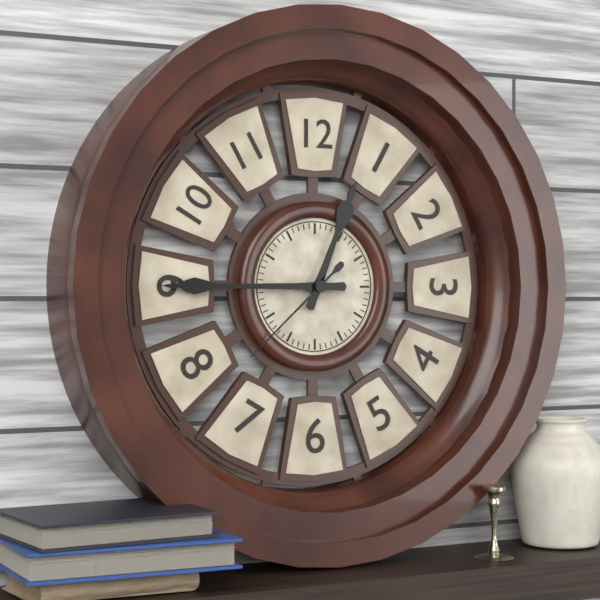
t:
12h45m38s
